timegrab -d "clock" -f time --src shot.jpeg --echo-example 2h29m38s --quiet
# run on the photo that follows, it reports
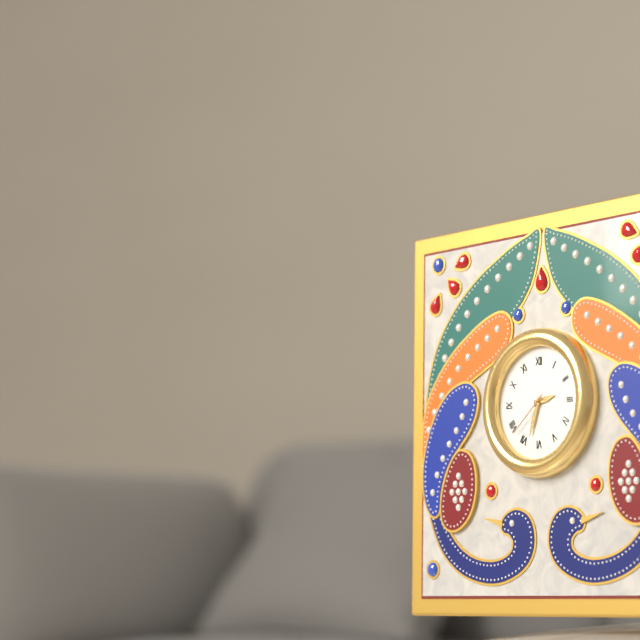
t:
2h33m38s
